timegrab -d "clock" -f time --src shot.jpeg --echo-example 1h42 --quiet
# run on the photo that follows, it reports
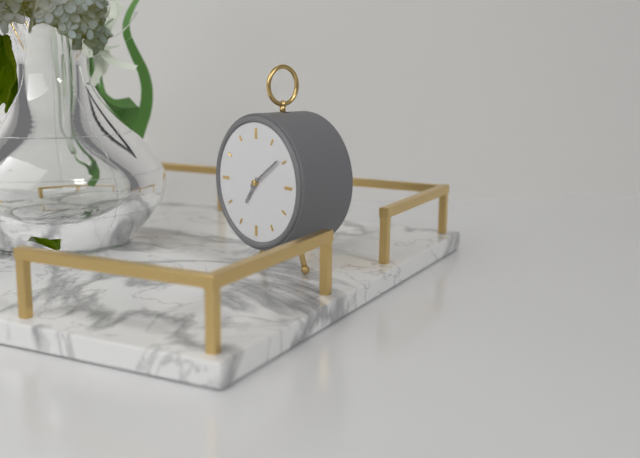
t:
7h09
